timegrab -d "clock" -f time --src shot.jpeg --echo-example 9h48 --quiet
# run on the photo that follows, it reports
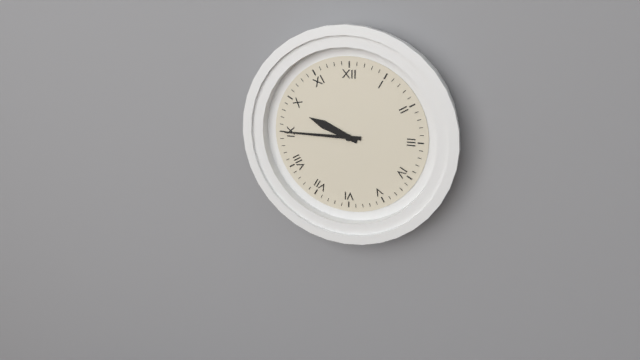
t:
9h45
